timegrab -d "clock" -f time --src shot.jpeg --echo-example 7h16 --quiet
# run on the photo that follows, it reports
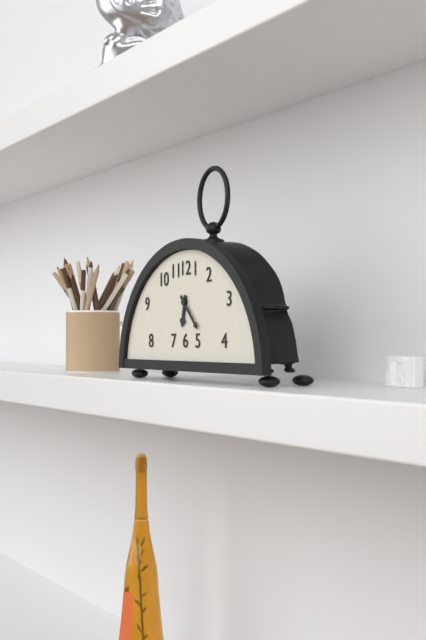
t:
6h23
